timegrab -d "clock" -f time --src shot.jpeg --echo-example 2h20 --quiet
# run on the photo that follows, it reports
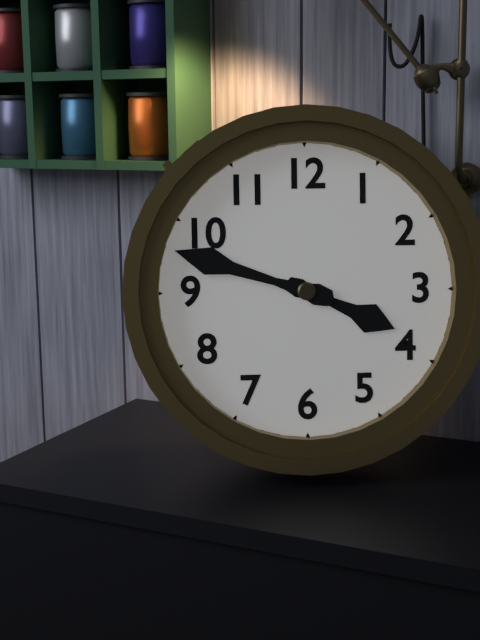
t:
3h48
